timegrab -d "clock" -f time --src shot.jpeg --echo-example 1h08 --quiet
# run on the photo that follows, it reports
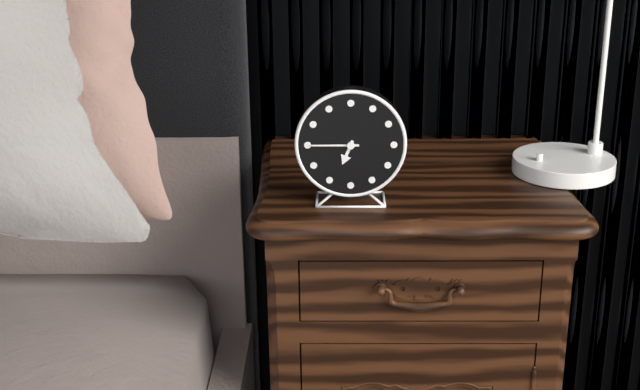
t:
6h45
